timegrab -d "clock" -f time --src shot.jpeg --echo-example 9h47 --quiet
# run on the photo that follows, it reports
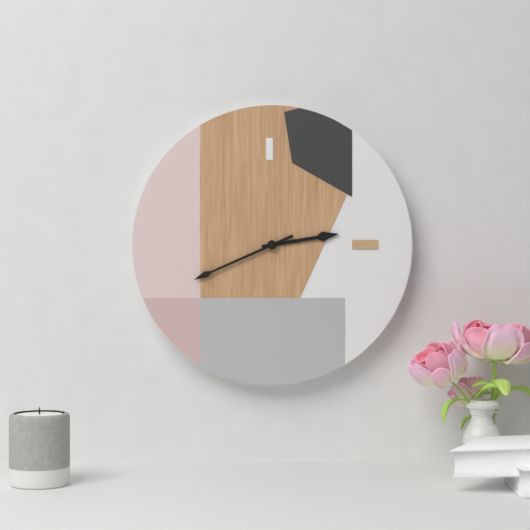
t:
2h41
